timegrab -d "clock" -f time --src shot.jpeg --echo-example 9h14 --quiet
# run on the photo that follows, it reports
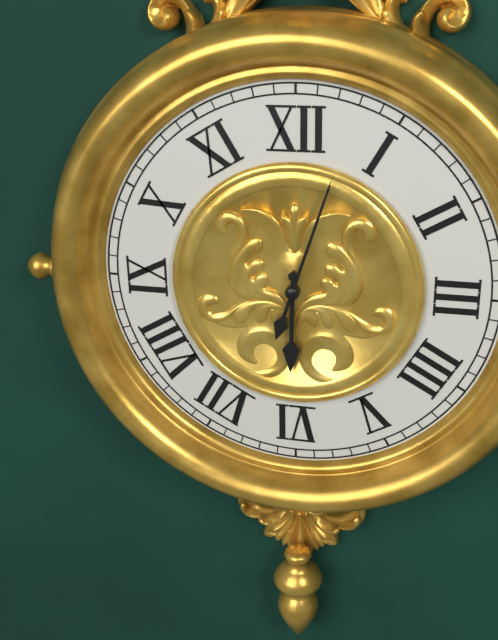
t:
6h03
